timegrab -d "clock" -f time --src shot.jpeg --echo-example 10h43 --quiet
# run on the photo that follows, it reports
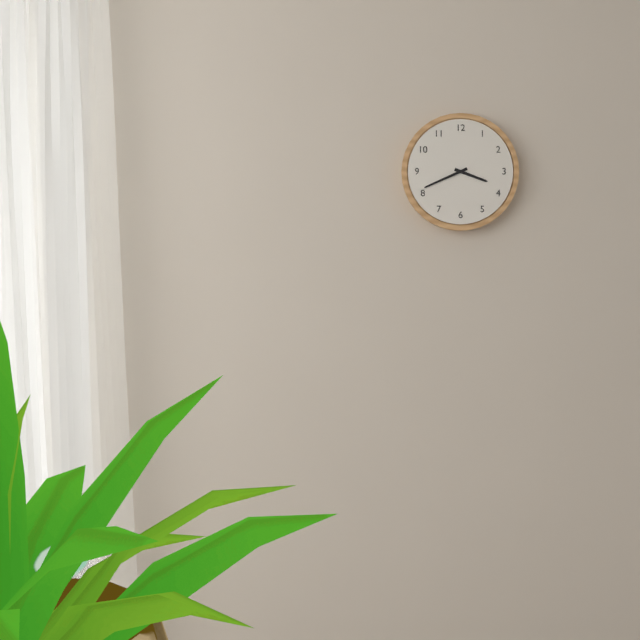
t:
3h41
